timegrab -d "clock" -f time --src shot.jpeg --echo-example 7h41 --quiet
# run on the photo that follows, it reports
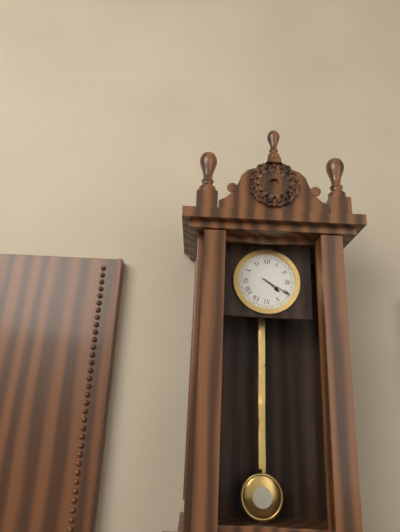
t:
4h20
